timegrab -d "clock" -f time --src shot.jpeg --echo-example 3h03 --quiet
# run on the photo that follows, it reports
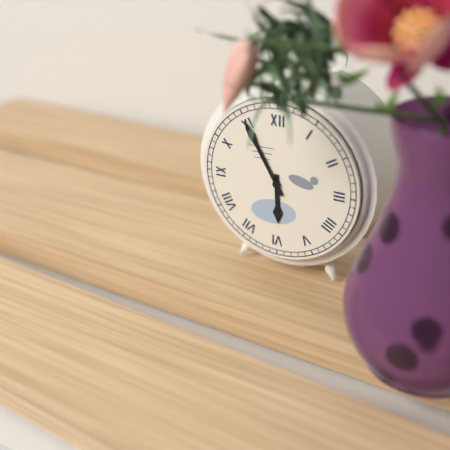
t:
5h55
